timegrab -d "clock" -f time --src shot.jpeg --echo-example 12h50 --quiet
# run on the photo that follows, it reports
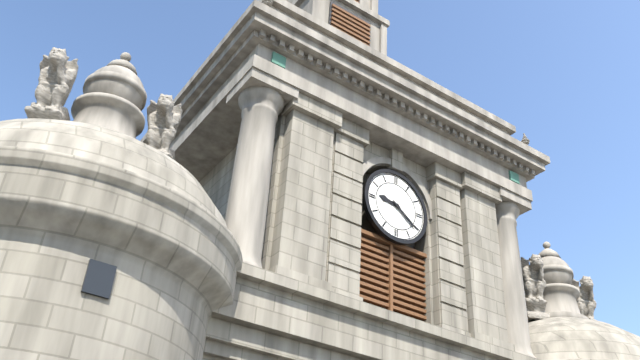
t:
9h21
